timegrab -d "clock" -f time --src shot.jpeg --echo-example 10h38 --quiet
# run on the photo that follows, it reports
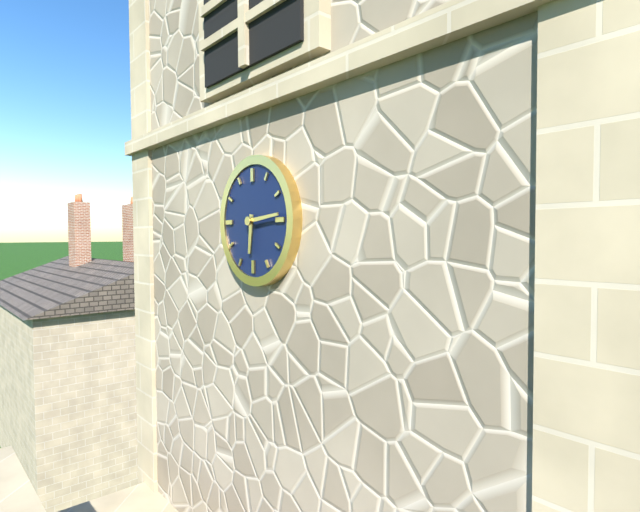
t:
6h14
